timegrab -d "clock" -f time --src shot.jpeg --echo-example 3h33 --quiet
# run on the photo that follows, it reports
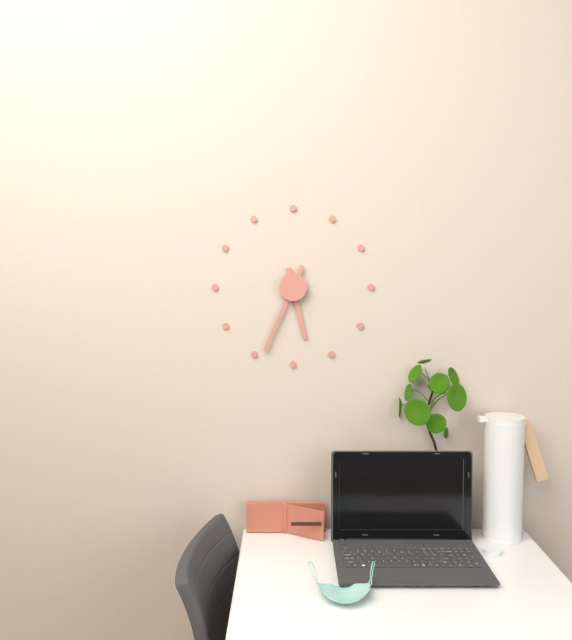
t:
5h34
